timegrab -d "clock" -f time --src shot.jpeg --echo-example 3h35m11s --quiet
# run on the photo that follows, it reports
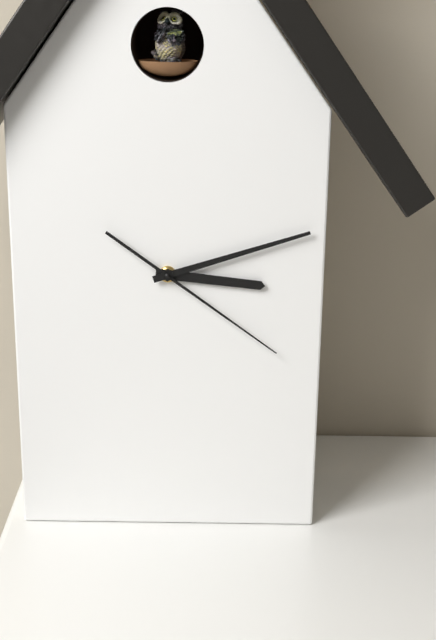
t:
3h12m21s
